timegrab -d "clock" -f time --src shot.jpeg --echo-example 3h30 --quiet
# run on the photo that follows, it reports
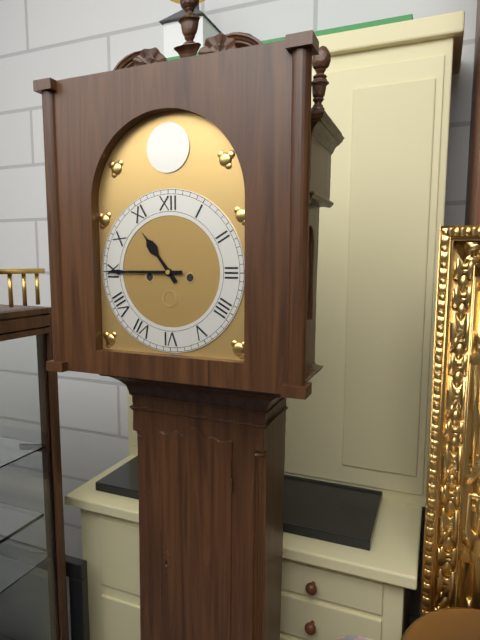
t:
10h45
